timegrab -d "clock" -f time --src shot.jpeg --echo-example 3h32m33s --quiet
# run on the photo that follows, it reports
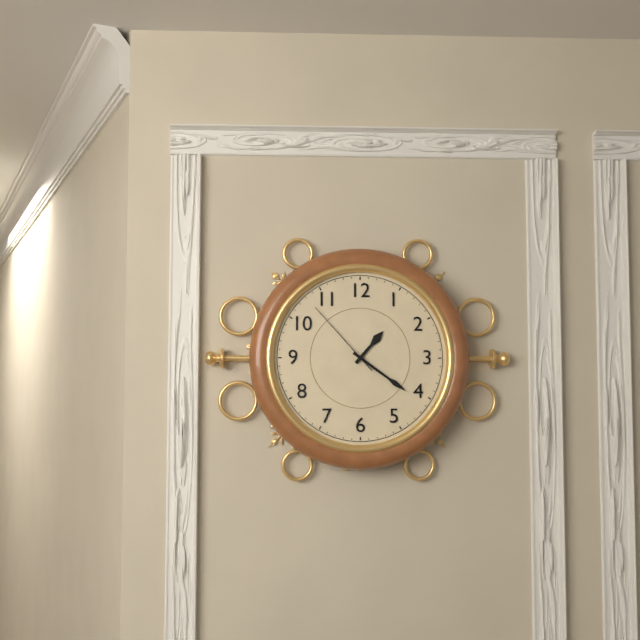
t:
1h21m53s
